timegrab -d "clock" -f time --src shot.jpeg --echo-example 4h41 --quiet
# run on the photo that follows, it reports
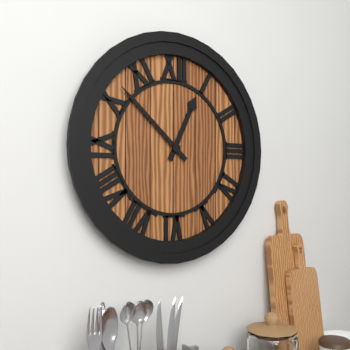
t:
12h52
